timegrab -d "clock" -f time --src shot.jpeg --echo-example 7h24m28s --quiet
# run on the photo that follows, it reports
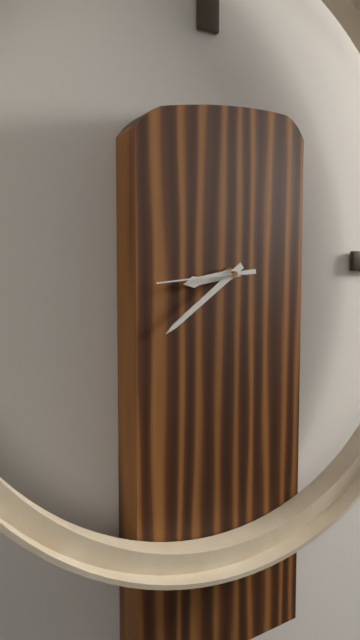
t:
8h39m44s
